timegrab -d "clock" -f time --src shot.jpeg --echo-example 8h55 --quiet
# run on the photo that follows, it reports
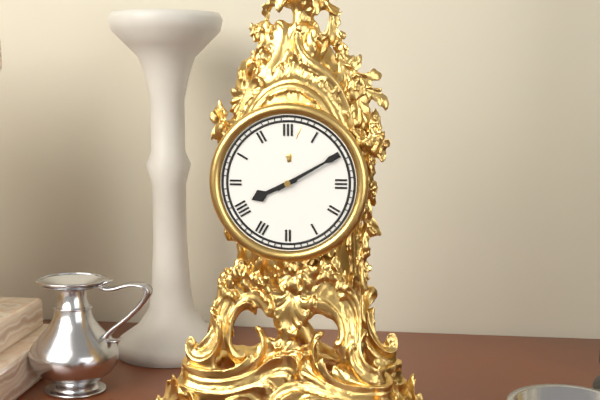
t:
8h10
